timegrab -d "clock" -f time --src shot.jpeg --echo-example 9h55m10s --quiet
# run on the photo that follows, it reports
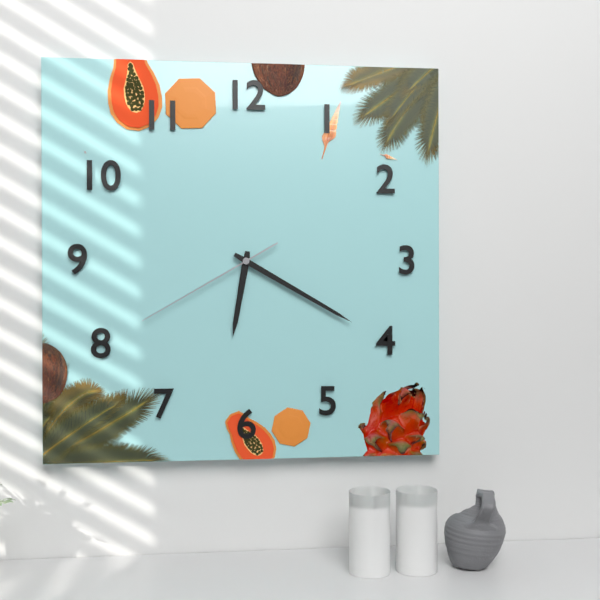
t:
6h20m40s
